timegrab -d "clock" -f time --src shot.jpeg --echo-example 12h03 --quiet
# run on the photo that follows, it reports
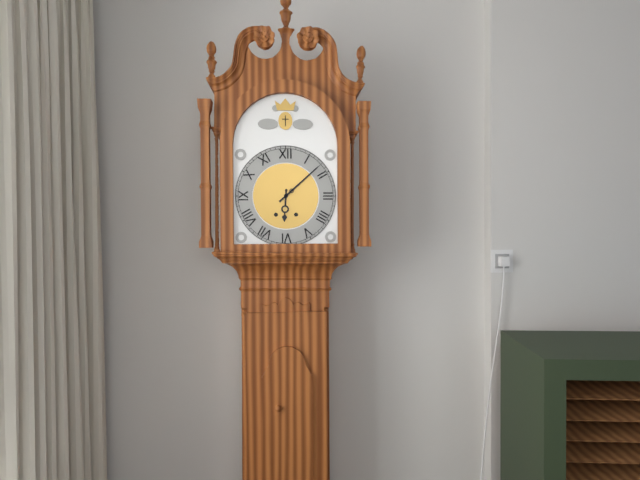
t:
6h08
